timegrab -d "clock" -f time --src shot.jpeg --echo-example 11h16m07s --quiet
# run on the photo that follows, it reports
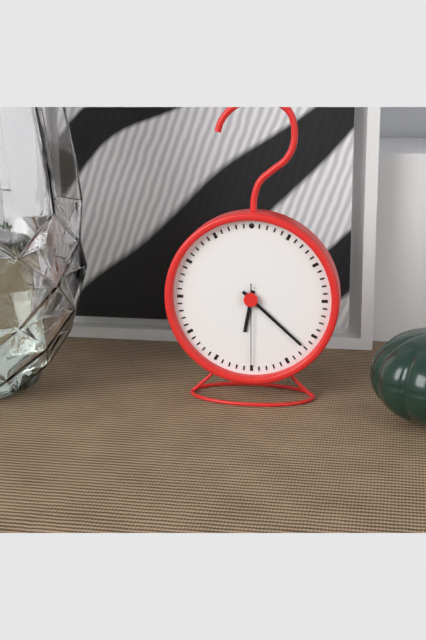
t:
6h22m30s
